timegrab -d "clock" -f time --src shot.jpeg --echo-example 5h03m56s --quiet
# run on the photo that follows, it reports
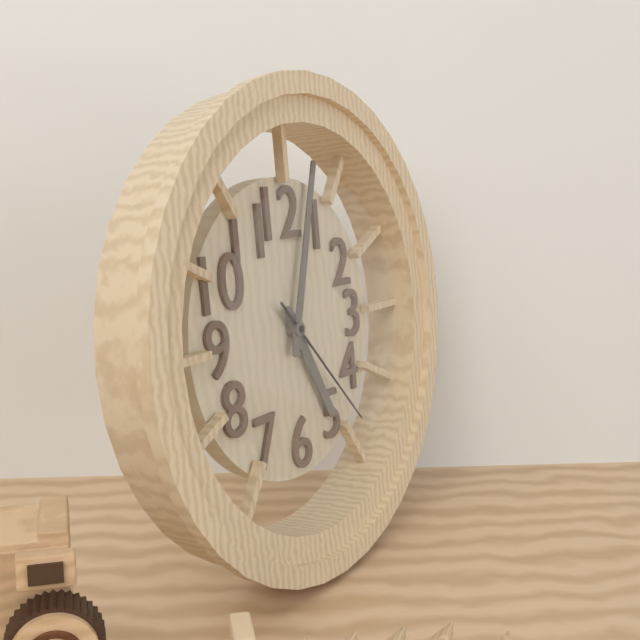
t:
5h03m23s
